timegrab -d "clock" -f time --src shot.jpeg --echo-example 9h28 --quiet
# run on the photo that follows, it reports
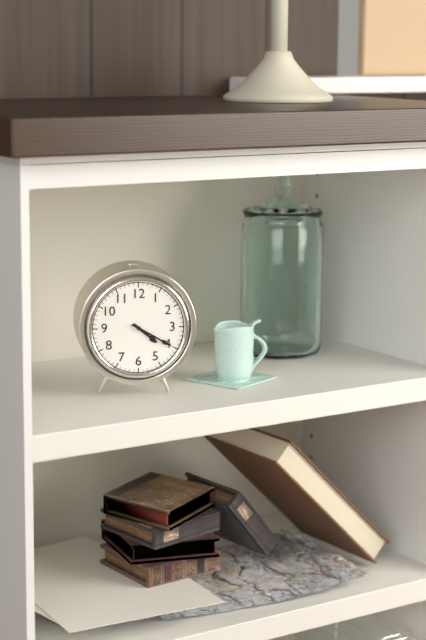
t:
4h20
